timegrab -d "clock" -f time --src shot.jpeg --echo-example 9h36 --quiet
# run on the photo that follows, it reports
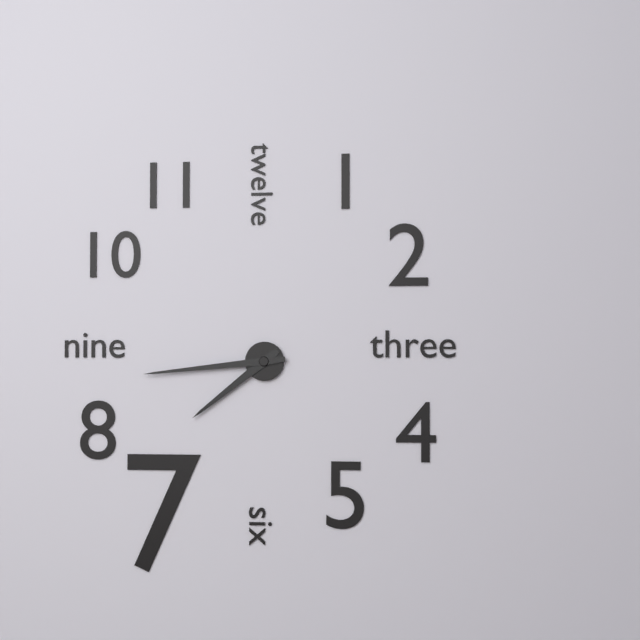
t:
7h44
